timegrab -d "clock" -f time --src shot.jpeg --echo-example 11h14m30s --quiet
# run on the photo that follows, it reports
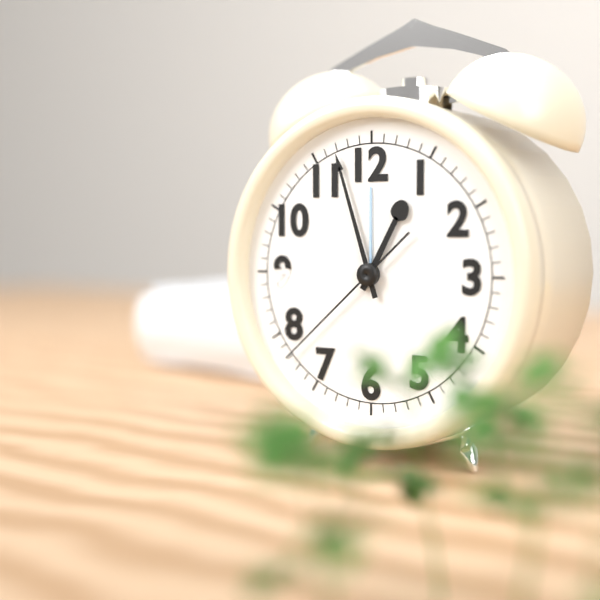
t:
12h57m38s
